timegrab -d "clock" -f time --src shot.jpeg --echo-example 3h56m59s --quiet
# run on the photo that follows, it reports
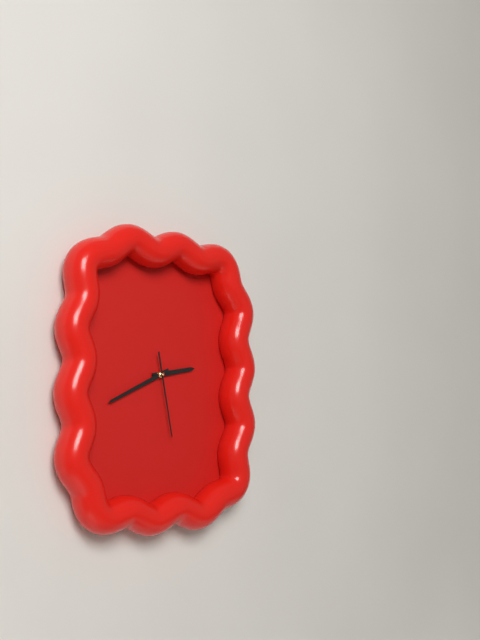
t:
2h41m28s
